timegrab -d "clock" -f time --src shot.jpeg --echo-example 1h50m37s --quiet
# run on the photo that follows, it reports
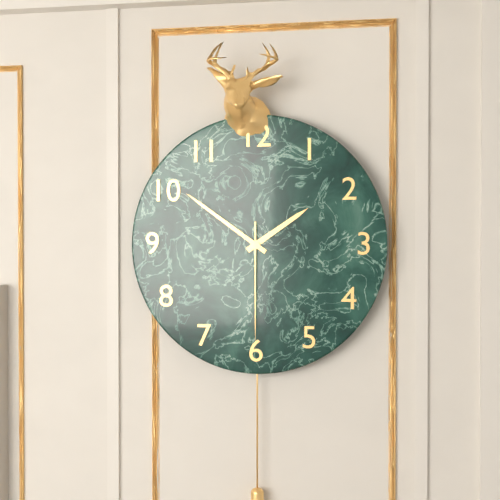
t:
1h51m30s
